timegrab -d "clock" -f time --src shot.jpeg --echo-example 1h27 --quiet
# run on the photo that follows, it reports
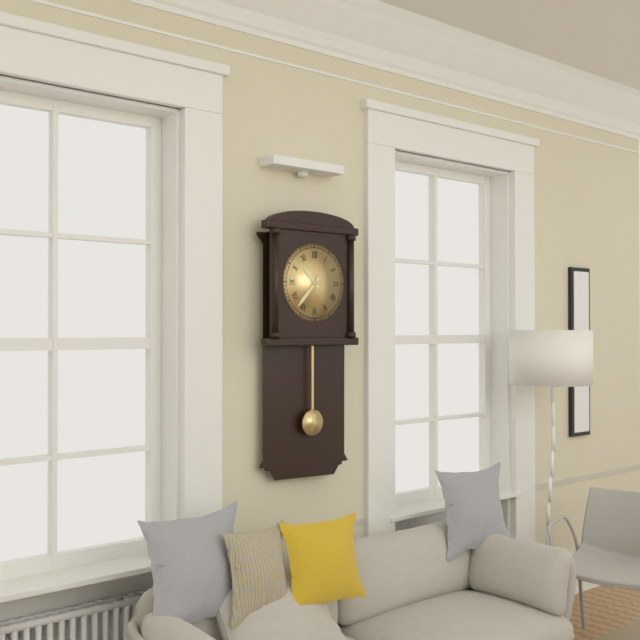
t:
10h37
